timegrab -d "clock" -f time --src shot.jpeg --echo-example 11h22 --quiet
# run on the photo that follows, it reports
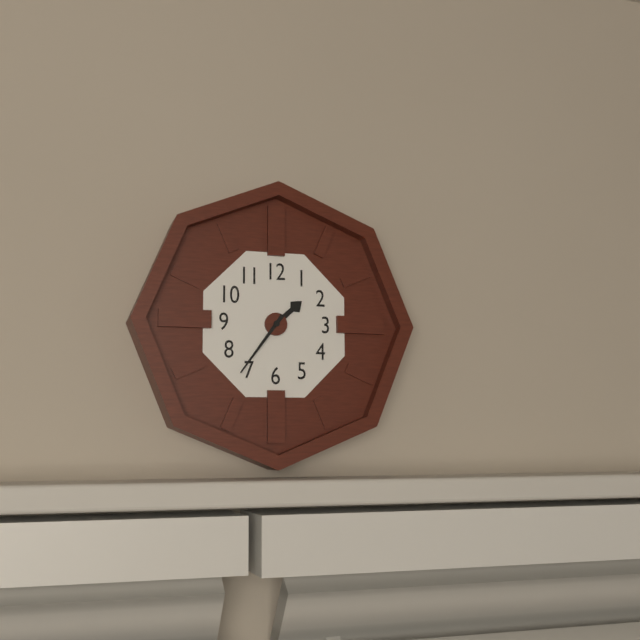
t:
1h36
